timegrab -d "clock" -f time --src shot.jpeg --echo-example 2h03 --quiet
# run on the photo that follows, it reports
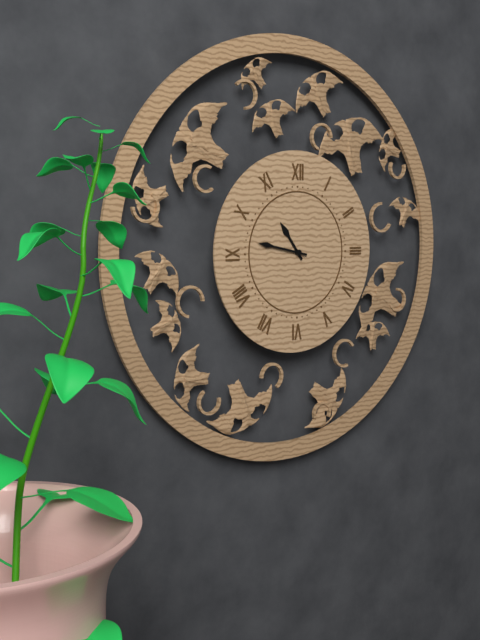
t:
10h47
